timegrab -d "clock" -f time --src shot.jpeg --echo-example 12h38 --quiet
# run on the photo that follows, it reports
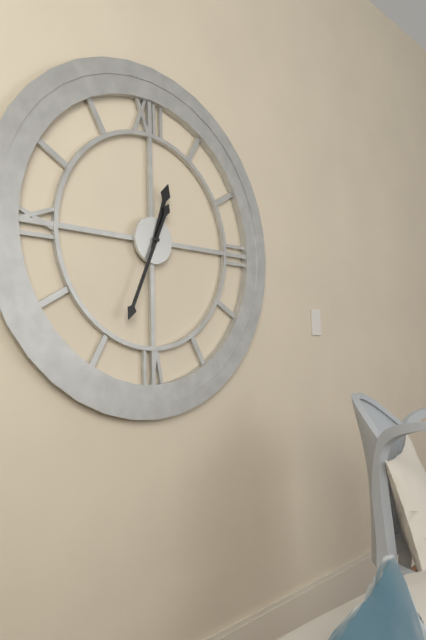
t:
12h34
